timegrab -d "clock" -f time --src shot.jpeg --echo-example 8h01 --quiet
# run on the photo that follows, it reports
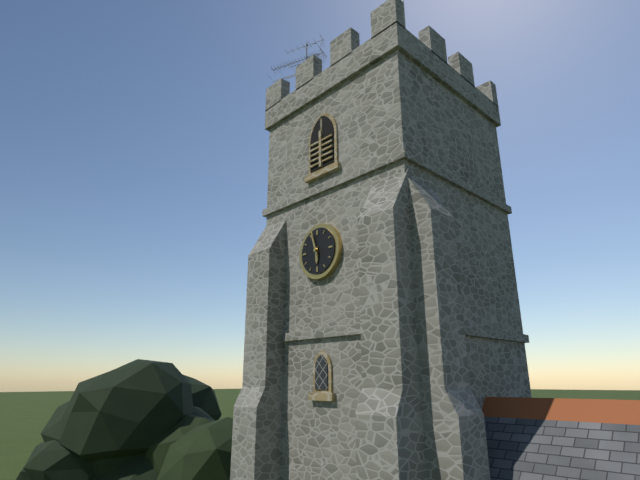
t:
5h57
